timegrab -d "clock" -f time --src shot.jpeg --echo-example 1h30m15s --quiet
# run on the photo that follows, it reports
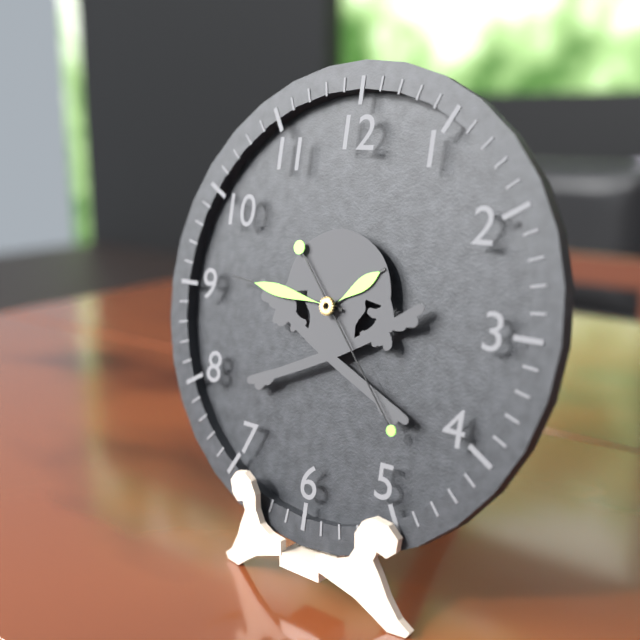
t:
1h46m23s
